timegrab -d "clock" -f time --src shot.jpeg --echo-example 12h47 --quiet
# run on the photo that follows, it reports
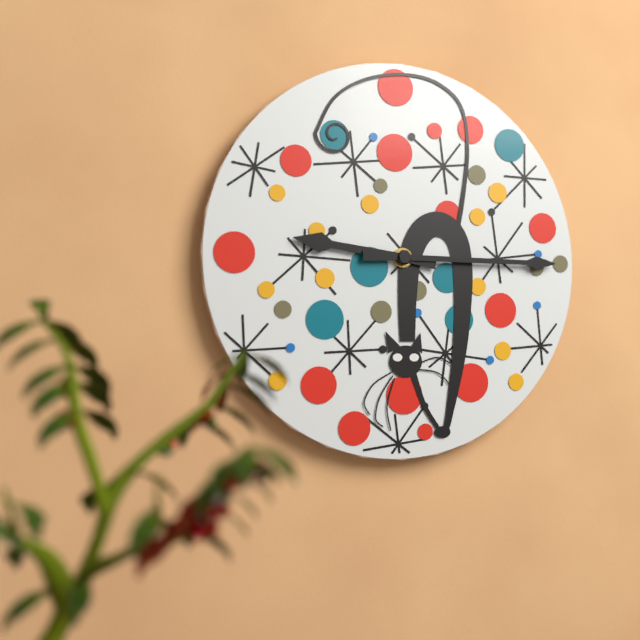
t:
9h15
